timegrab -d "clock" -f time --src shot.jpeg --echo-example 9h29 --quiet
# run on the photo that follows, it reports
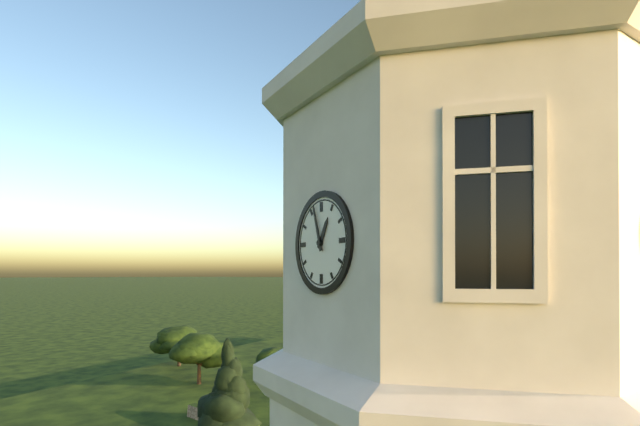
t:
12h57
